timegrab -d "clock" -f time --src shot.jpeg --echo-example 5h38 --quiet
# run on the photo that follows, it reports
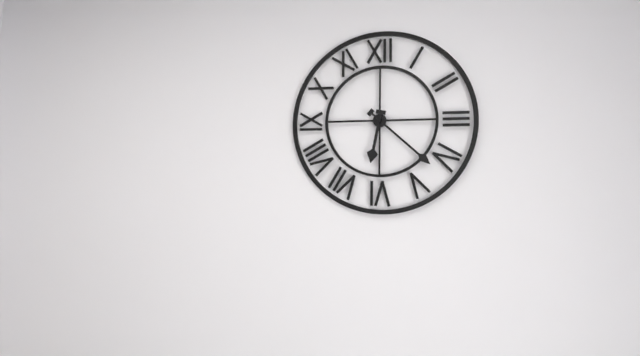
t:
6h22
